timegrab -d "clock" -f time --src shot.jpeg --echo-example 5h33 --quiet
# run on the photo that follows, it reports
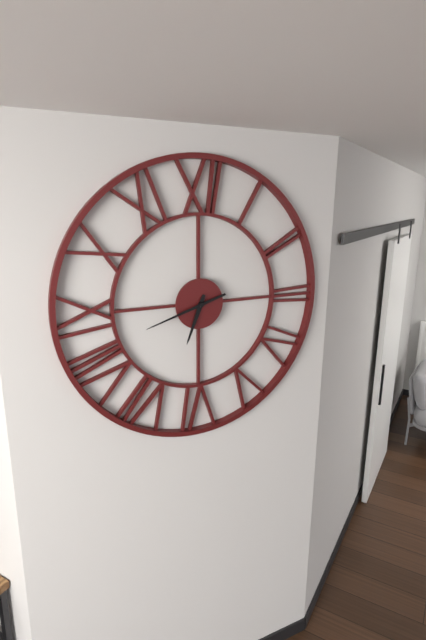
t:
6h42
